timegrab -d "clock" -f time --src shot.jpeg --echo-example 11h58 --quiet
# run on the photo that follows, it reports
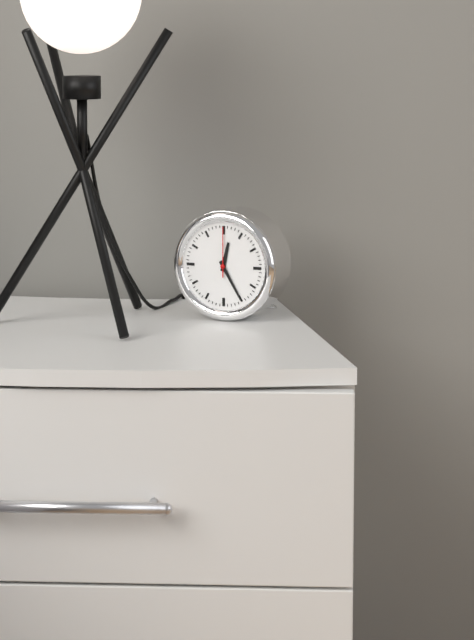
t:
12h25
